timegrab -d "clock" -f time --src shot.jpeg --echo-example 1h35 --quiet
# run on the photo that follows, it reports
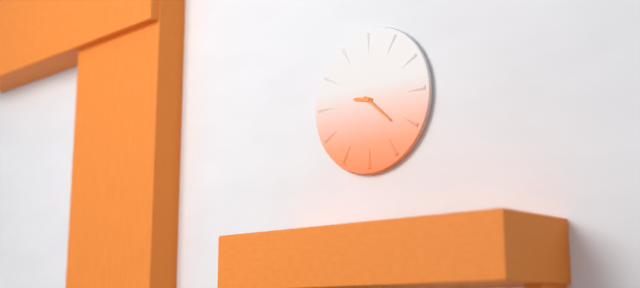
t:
9h22
